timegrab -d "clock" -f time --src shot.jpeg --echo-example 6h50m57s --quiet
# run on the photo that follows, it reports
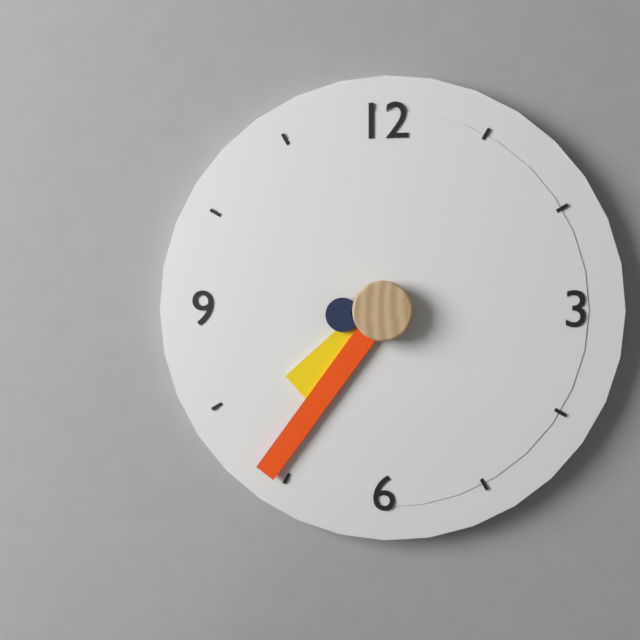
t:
7h36m44s
